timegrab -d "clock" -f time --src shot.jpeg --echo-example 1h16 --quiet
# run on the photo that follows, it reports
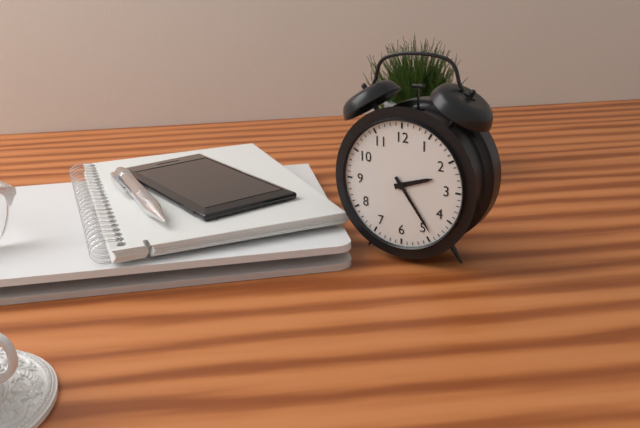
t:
2h24
